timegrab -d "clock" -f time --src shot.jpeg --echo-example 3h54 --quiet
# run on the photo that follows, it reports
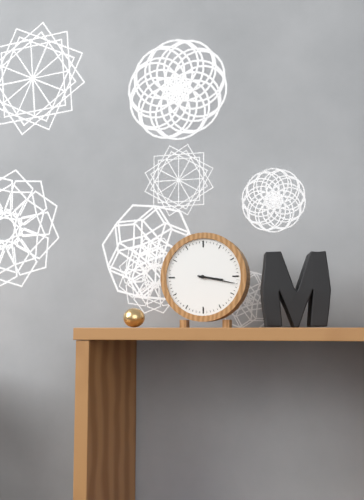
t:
3h17
